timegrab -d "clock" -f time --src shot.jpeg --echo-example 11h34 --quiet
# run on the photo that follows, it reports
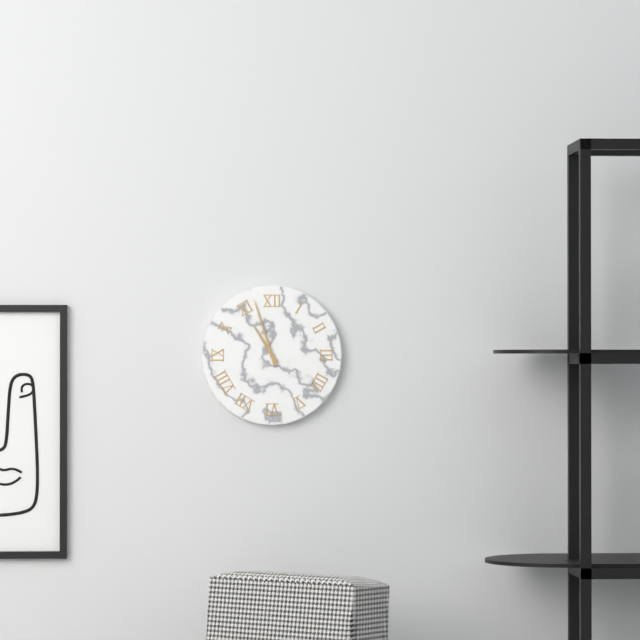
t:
10h57
